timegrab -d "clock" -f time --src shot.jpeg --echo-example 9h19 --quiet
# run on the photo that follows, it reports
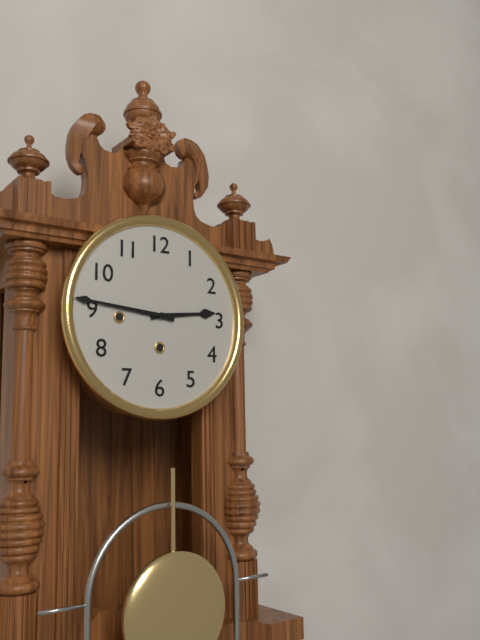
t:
2h46
